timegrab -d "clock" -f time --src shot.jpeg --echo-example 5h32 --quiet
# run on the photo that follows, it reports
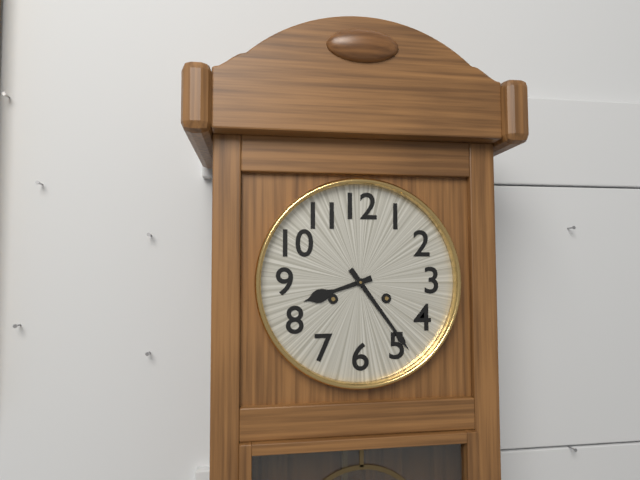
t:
8h24
